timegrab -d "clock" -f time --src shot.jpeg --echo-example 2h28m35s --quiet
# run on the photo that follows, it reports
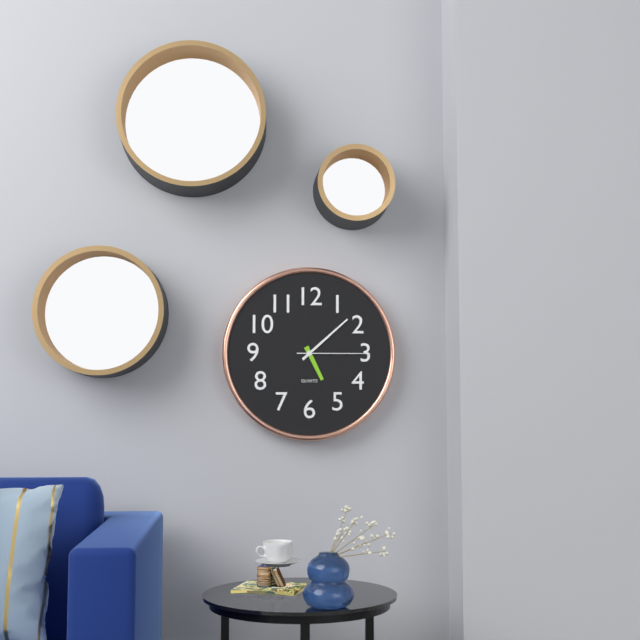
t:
5h08m15s
